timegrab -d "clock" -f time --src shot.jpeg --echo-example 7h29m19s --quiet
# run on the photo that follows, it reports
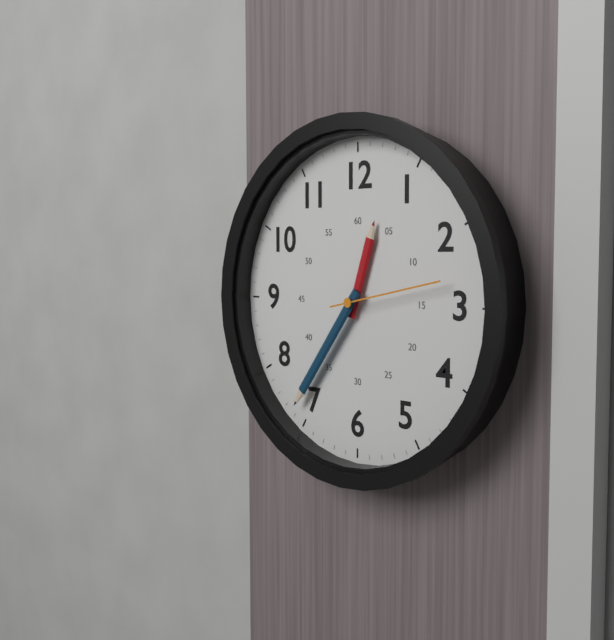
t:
12h36m13s
